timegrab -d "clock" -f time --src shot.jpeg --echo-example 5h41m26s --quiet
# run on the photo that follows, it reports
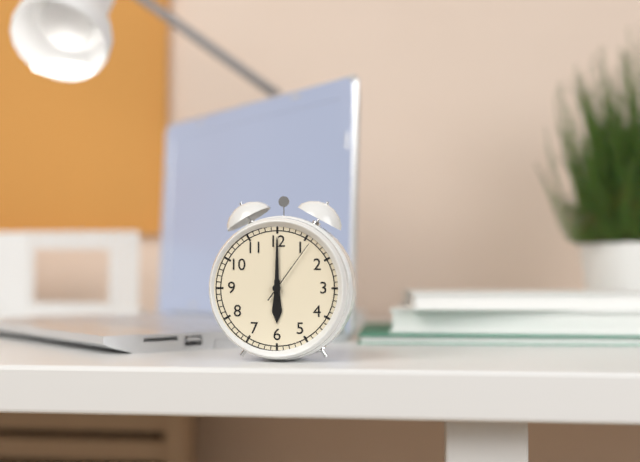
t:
6h00m06s
